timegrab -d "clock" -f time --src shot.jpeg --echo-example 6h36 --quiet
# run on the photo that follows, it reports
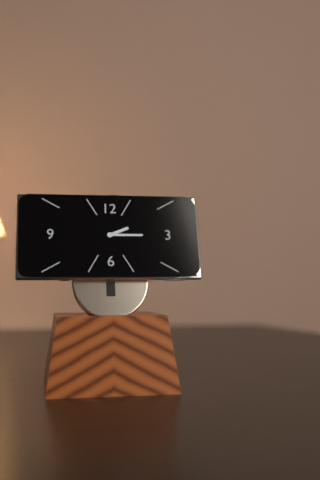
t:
2h15
